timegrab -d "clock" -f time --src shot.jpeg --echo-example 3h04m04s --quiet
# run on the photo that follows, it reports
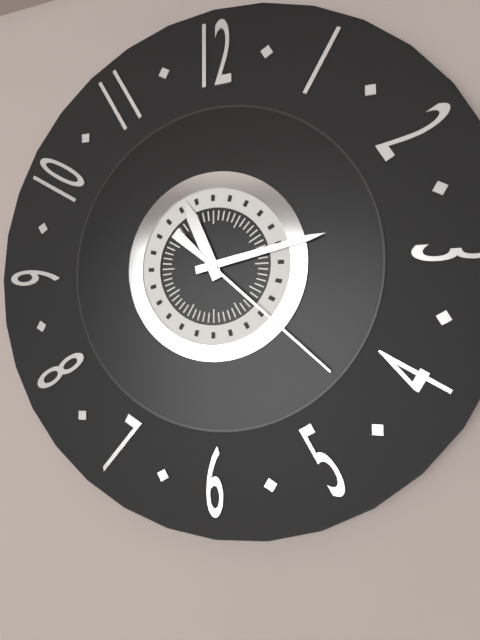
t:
11h13m22s
